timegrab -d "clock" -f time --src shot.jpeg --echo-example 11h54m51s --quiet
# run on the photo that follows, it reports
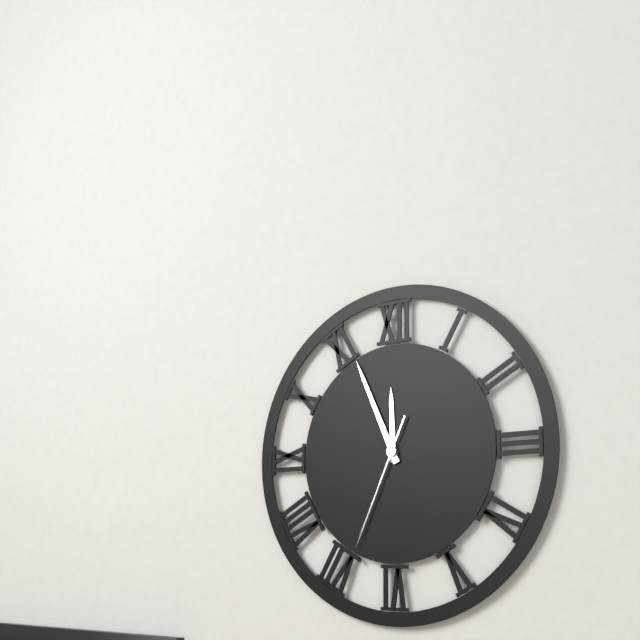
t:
11h56m34s
